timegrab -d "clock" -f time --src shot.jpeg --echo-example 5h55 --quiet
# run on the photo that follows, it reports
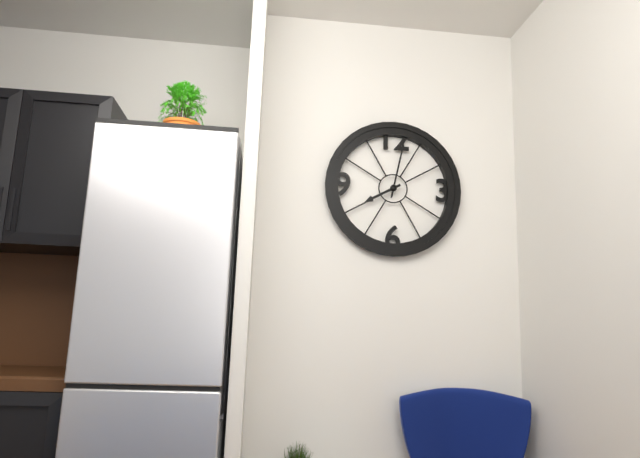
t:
8h02
